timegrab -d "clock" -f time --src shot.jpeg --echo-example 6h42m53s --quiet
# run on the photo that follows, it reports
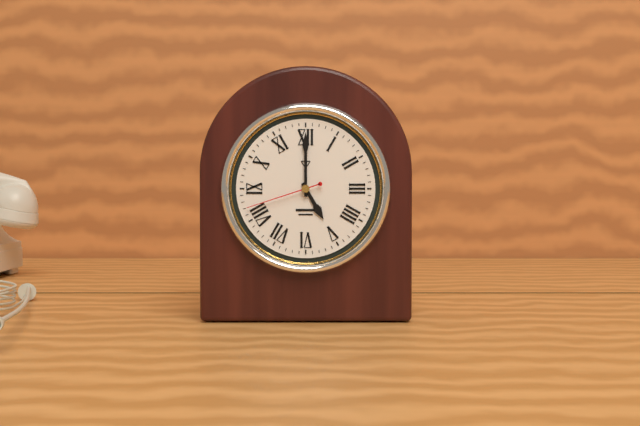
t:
5h00m42s
